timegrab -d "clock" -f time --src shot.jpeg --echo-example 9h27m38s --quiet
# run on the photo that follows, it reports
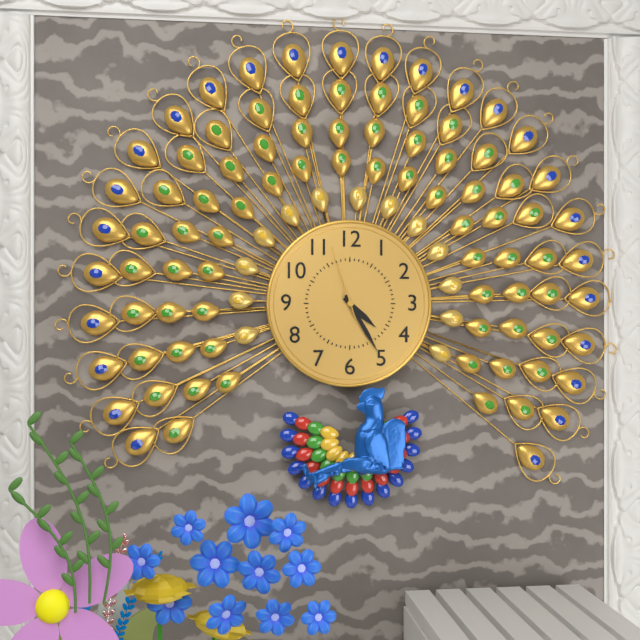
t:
4h25m57s
